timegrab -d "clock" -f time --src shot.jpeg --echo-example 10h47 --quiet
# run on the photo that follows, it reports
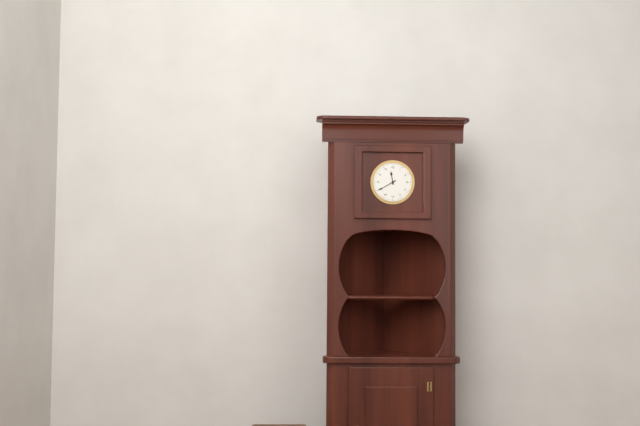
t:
11h40
